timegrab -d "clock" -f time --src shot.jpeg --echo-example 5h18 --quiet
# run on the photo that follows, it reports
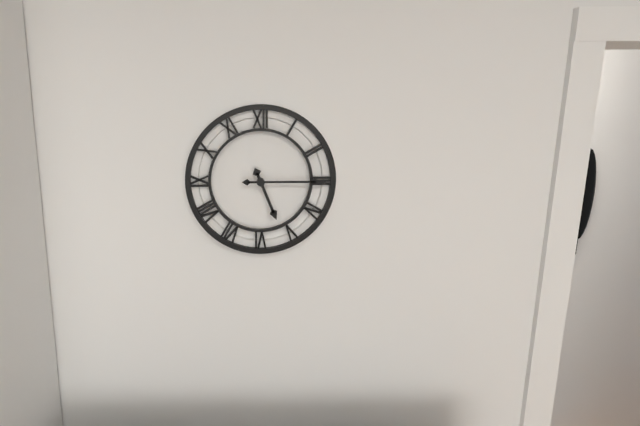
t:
5h15
